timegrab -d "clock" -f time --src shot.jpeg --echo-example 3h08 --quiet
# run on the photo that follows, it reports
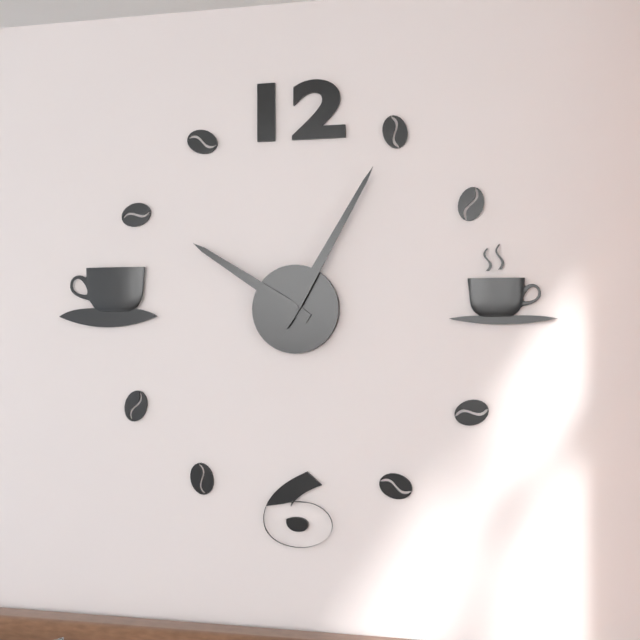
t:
10h05
